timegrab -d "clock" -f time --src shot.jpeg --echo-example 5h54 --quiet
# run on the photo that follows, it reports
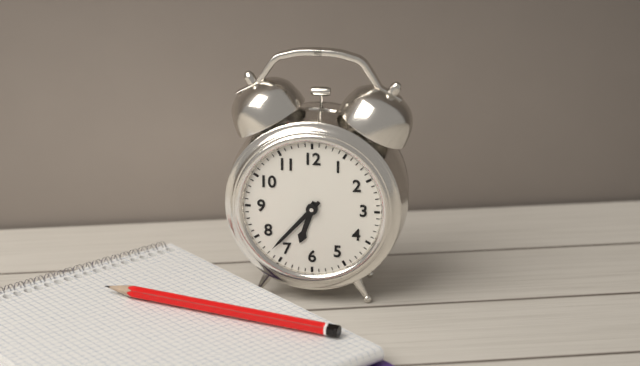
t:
6h37
